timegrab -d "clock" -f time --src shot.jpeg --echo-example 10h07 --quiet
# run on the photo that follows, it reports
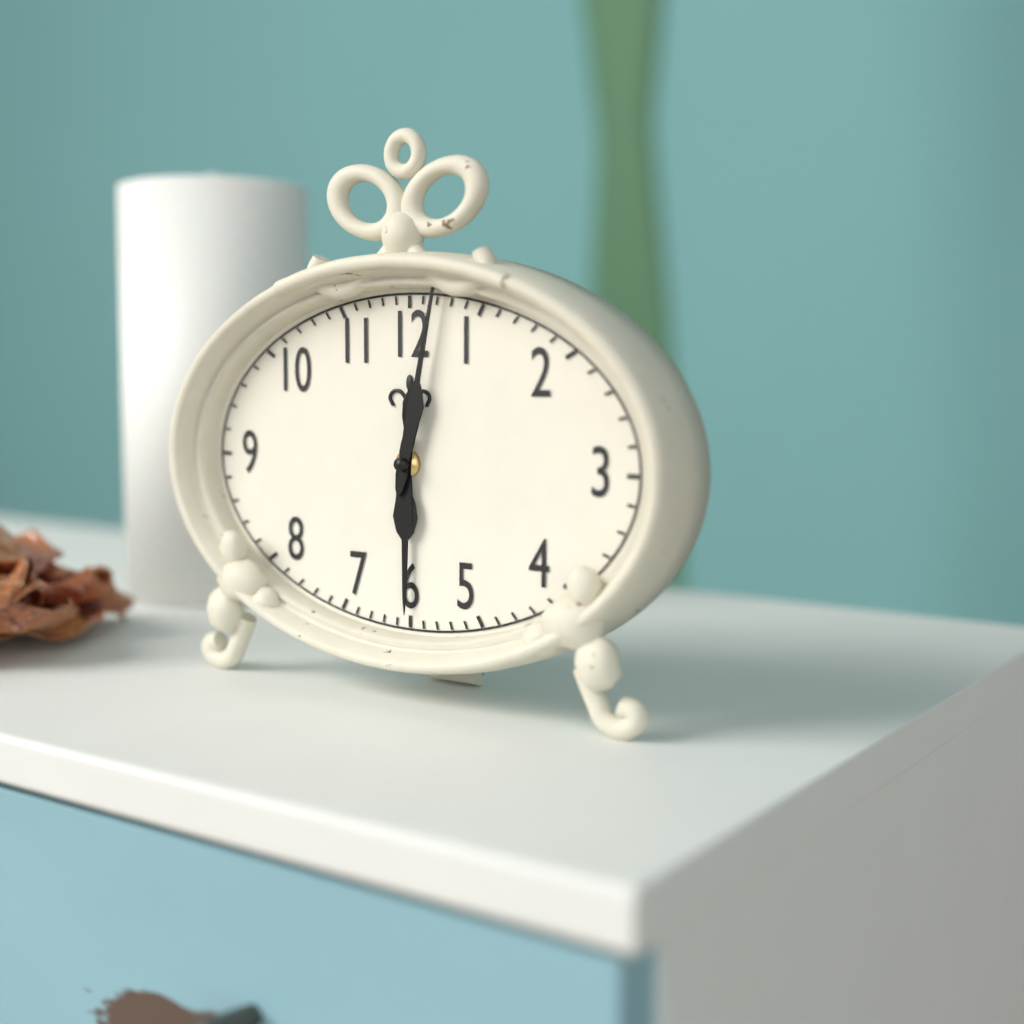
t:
6h02
